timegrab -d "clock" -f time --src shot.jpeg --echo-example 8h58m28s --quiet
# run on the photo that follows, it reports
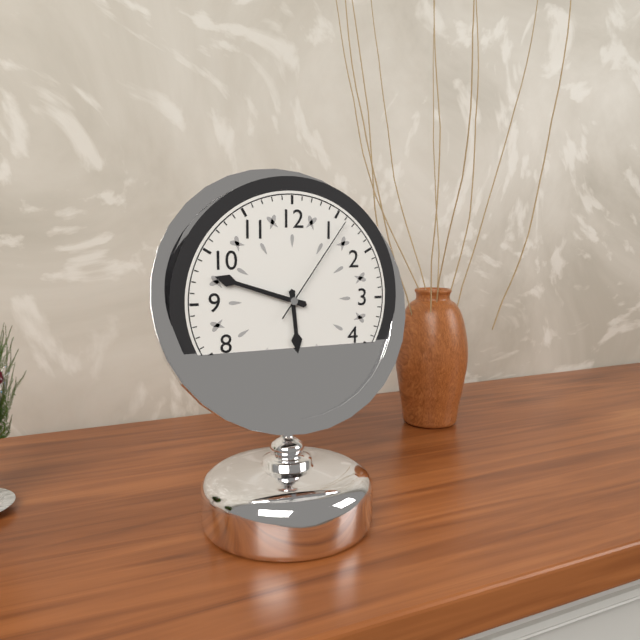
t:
5h48m06s
